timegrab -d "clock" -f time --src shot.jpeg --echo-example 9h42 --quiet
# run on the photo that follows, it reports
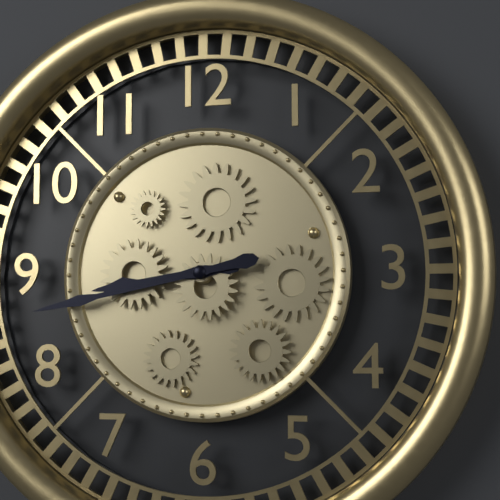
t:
8h43
